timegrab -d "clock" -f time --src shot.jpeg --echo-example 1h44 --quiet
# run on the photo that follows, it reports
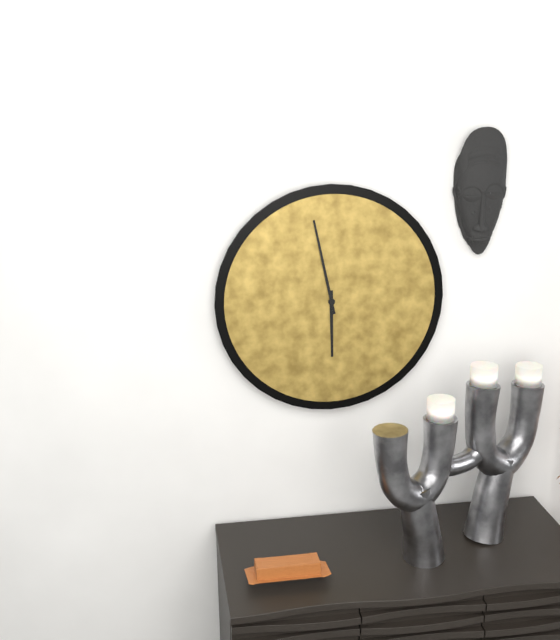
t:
5h58
